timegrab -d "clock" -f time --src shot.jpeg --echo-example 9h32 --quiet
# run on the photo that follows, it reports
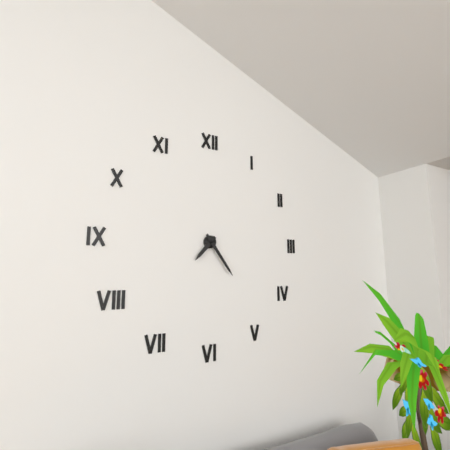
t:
7h24
